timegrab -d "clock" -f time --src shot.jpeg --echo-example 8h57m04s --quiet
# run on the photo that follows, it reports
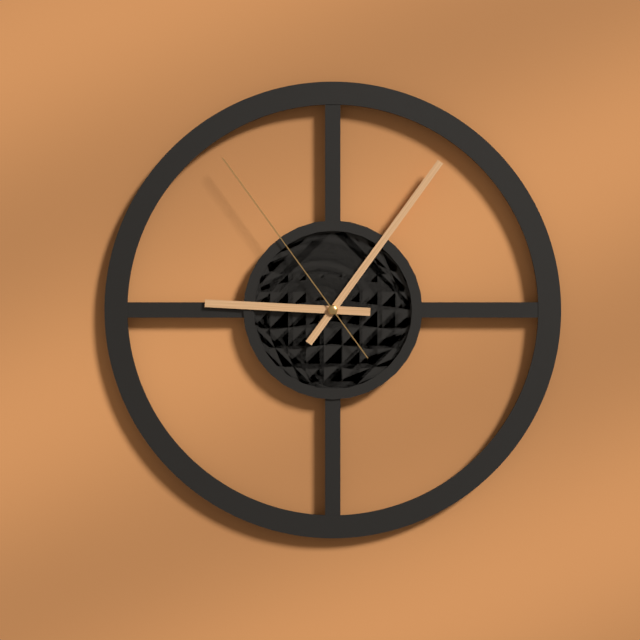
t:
9h06m54s
